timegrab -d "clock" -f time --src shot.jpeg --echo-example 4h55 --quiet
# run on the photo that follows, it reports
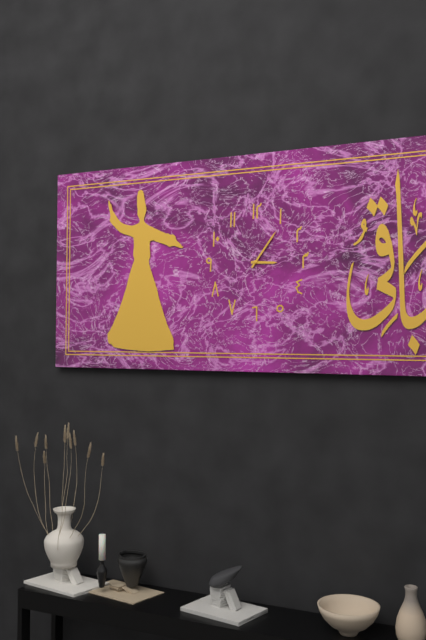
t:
3h06
